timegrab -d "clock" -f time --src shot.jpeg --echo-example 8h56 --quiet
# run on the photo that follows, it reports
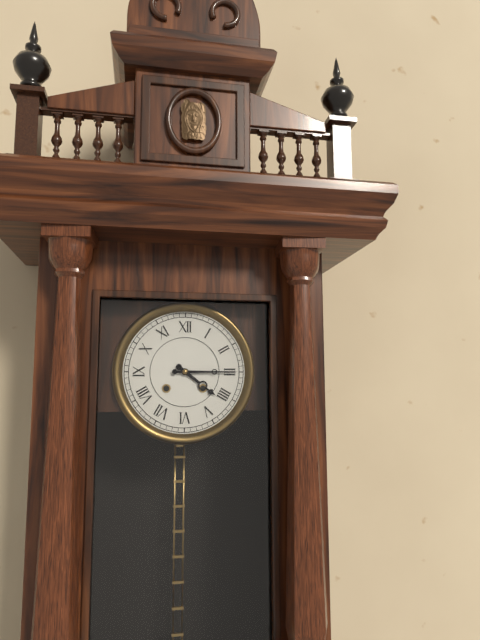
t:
4h15
